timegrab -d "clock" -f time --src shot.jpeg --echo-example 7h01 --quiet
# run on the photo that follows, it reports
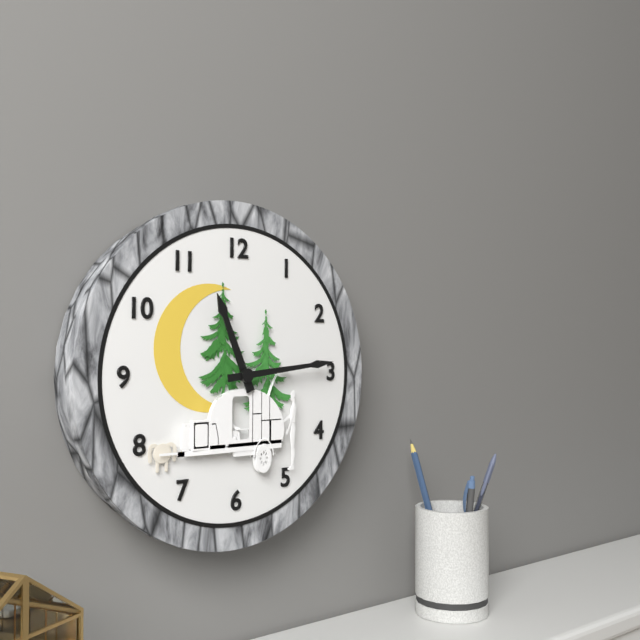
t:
11h14
